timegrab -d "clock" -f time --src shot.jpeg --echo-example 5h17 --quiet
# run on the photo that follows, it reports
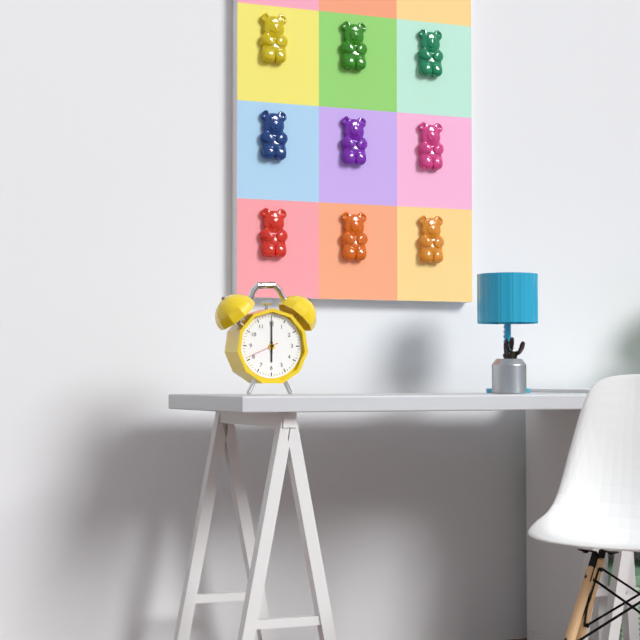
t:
6h00
